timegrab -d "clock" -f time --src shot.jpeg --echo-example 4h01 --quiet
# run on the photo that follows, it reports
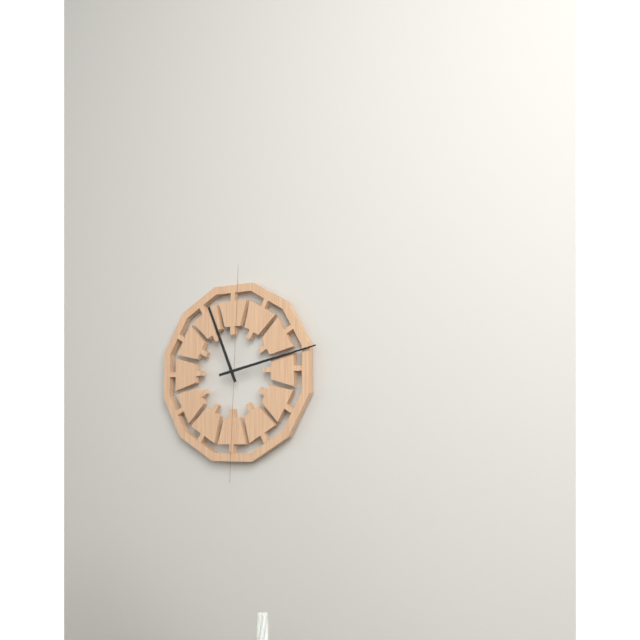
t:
11h13
